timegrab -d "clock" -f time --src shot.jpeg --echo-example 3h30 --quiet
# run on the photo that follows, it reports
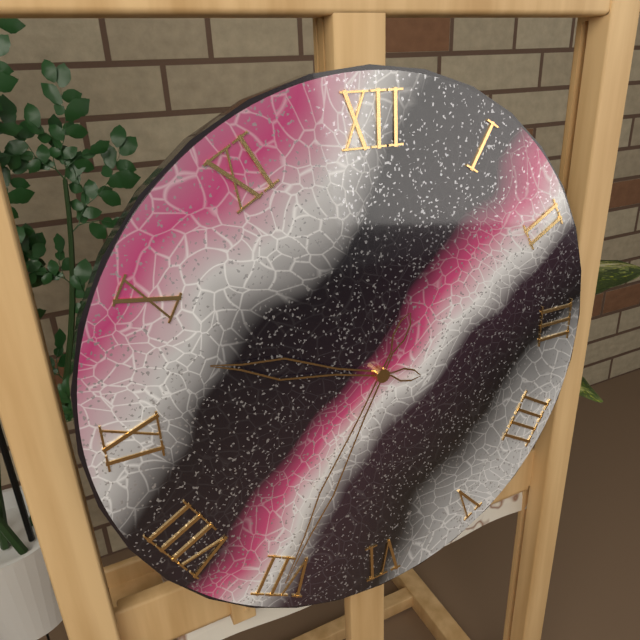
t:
9h35
